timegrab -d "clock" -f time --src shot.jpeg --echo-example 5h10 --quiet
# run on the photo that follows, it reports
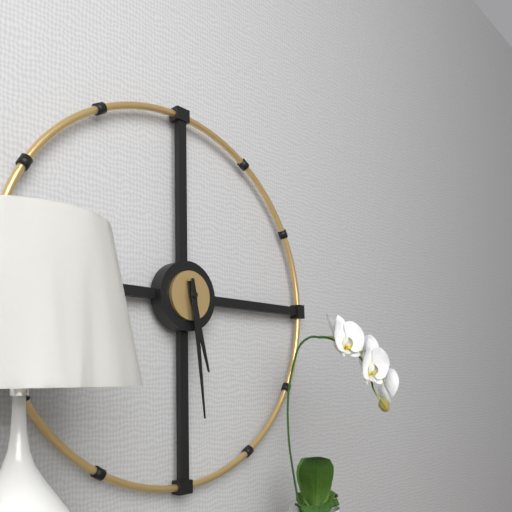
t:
5h29
